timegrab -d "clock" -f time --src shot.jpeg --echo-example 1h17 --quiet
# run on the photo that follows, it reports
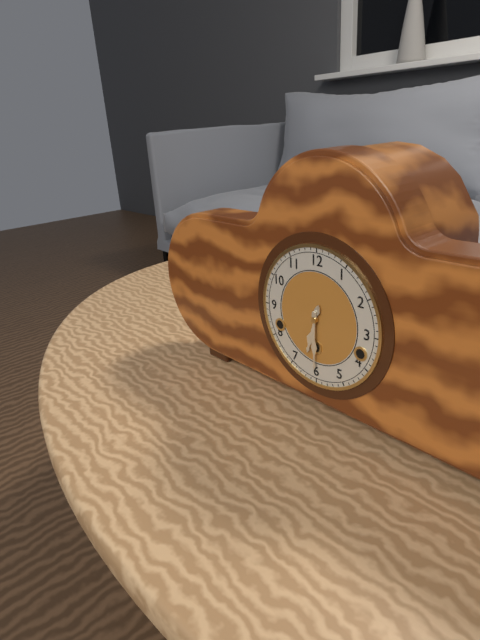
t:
6h30
